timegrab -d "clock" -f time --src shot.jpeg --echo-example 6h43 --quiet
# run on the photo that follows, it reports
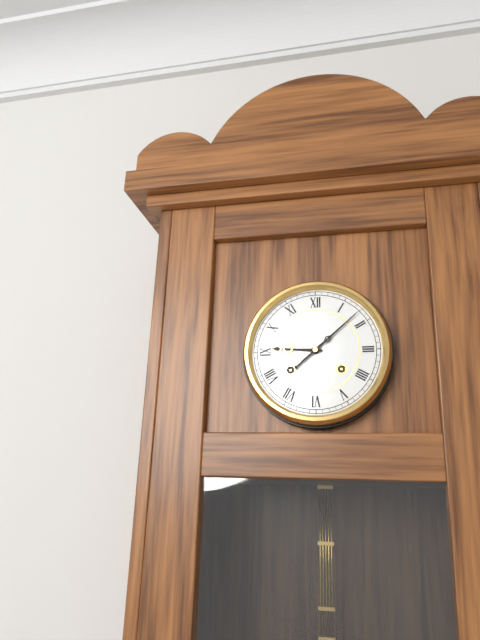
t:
9h08
